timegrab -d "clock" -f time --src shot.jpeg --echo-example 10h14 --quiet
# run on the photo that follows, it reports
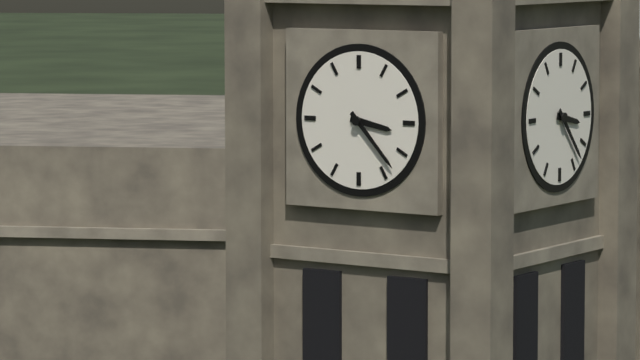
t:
3h23
